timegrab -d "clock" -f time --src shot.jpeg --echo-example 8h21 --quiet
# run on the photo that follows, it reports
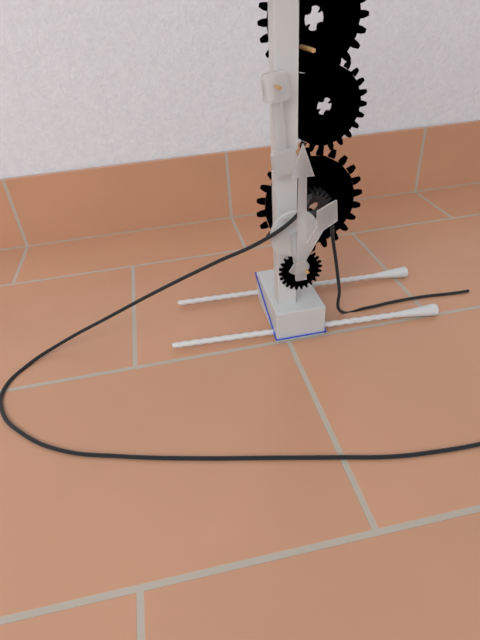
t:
1h00
